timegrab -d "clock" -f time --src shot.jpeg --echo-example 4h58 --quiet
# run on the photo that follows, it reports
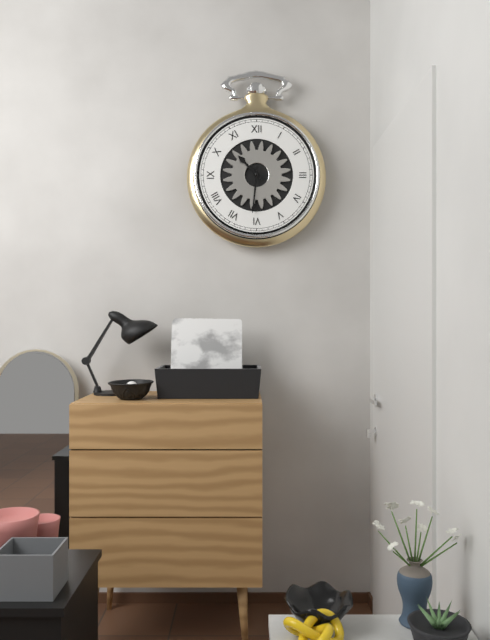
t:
10h31
